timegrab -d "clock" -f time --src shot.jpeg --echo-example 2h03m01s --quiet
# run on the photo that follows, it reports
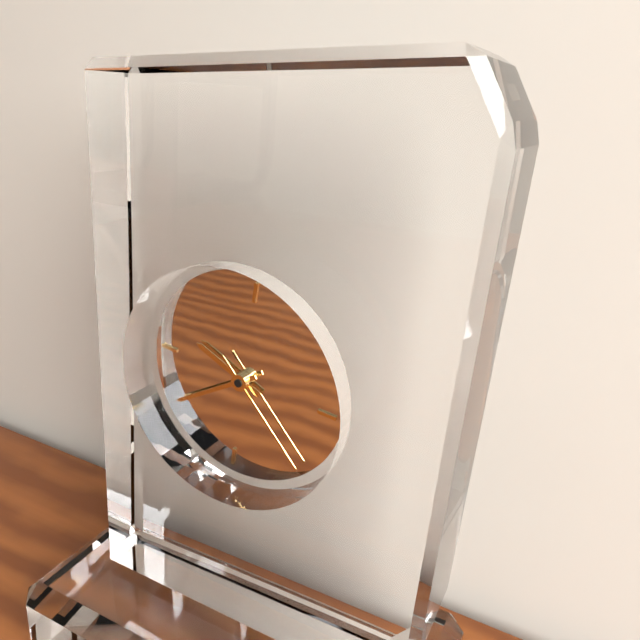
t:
9h39m22s
